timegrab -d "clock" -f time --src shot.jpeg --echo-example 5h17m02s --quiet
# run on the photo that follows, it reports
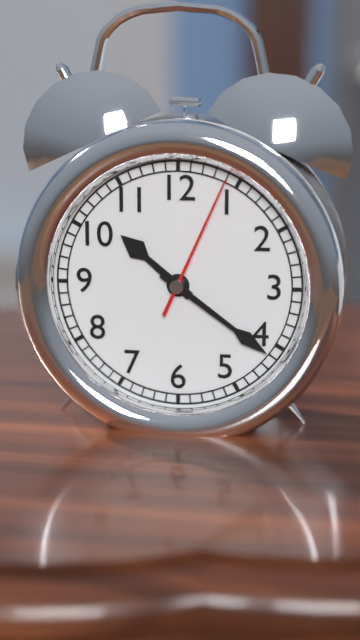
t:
10h21m04s
